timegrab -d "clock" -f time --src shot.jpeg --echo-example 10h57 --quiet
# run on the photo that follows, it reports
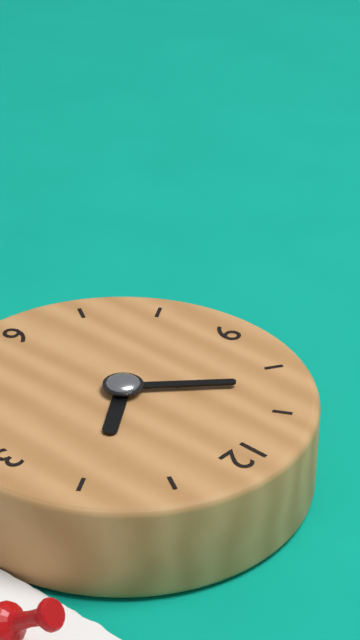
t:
1h52
